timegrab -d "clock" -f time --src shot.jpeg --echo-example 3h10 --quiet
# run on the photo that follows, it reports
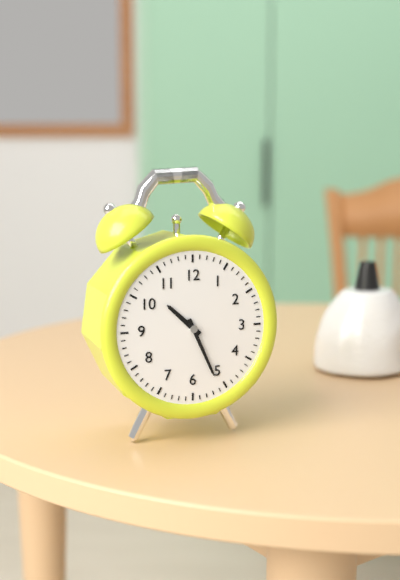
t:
10h26
